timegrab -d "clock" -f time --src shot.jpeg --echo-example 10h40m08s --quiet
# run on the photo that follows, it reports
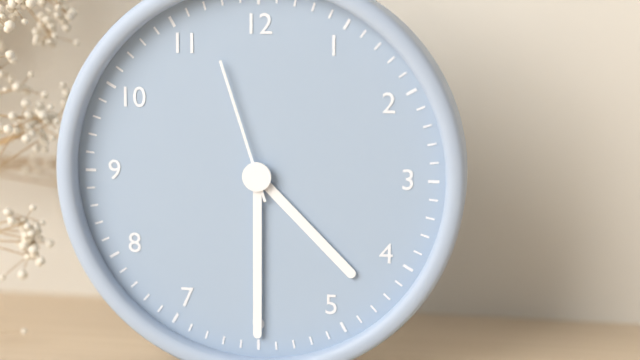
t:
4h30m57s
